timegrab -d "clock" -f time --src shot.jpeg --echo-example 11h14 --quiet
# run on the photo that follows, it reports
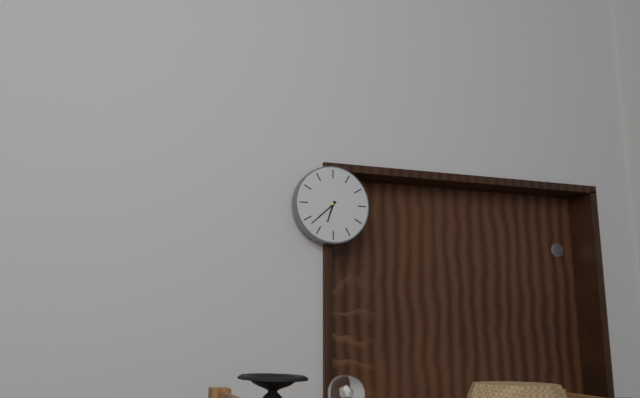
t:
6h38
